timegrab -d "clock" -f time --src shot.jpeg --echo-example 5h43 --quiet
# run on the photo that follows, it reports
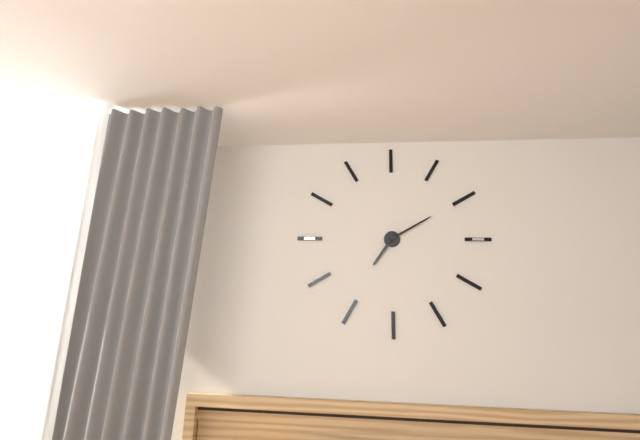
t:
7h10
